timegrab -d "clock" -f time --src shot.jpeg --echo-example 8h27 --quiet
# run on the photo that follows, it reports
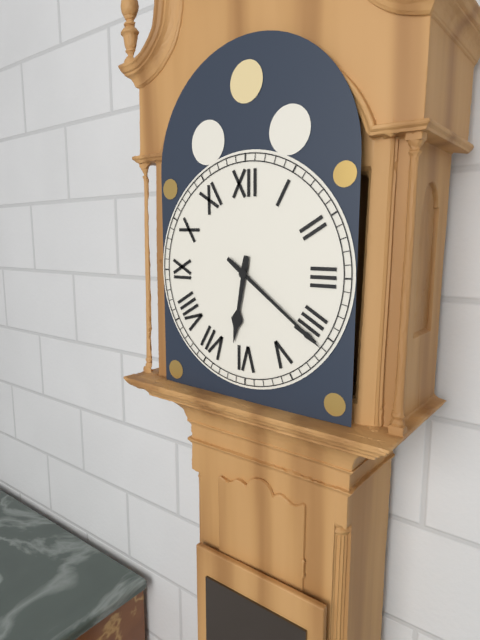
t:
6h21
